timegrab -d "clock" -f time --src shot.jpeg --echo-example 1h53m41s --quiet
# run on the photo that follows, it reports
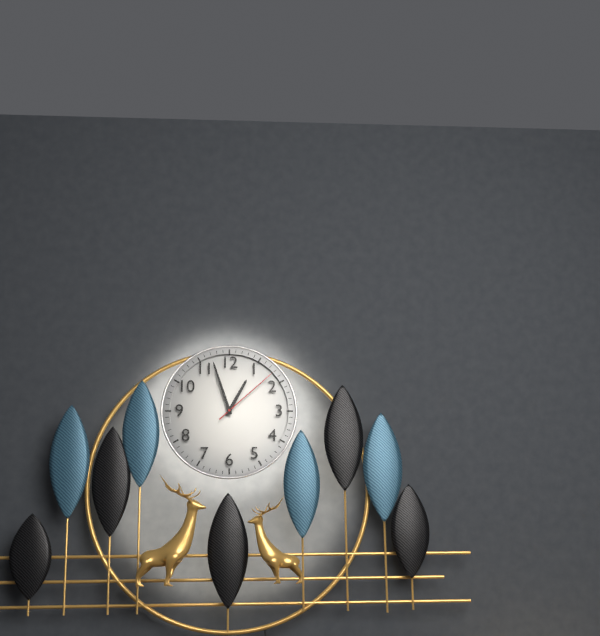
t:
12h57m08s
